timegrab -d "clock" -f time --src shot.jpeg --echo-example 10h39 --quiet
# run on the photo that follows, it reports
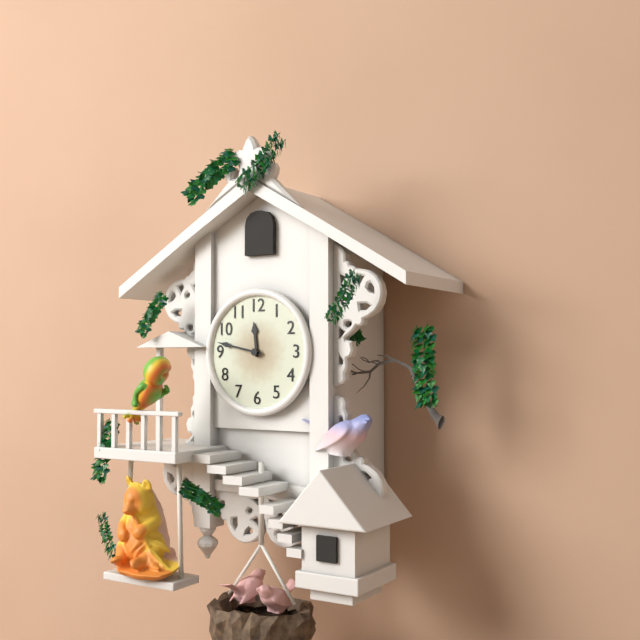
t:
11h47
